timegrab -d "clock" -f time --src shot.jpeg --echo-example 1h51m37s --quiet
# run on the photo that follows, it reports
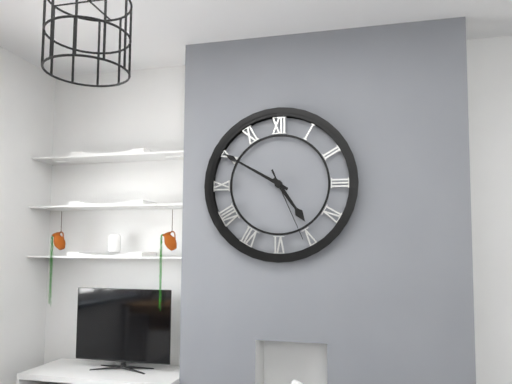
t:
4h50m26s
